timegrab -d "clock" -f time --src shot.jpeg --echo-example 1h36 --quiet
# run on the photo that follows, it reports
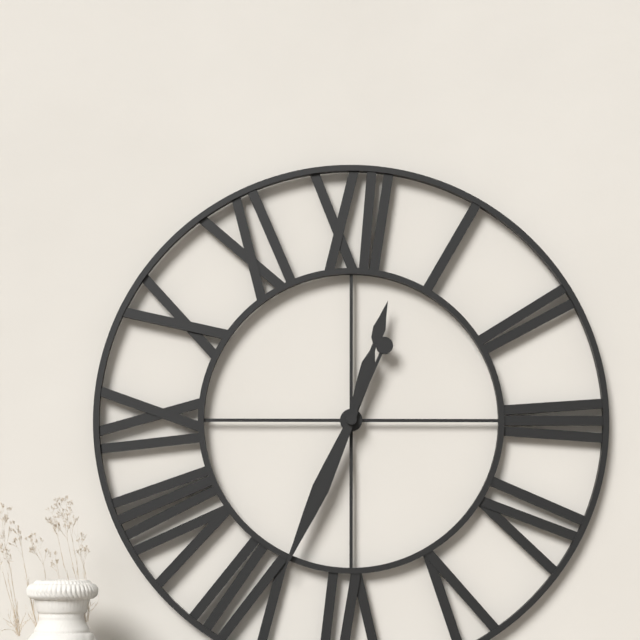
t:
12h34
